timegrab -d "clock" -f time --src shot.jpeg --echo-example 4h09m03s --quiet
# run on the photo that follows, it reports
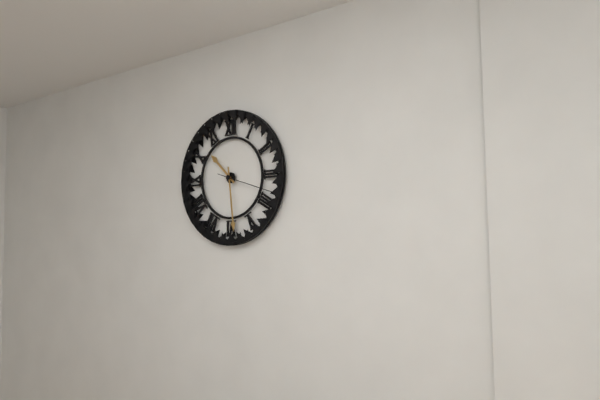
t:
10h29m18s
